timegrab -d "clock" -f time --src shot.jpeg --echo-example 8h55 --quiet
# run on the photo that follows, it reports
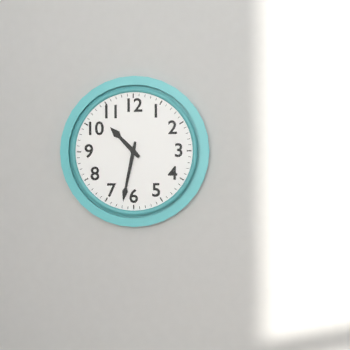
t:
10h32
